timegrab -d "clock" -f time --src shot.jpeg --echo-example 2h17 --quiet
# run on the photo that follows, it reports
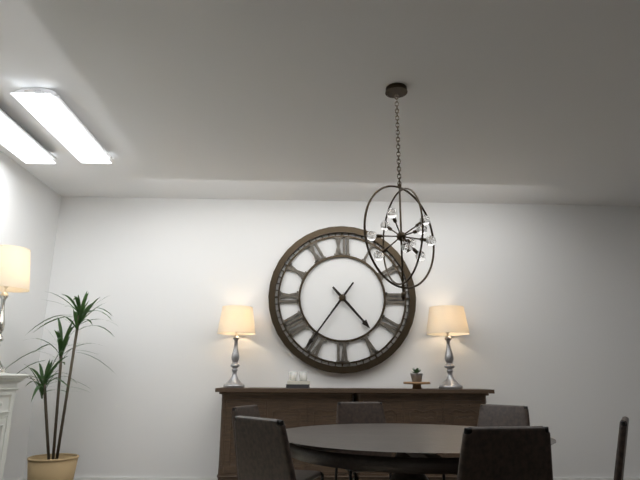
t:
4h36
